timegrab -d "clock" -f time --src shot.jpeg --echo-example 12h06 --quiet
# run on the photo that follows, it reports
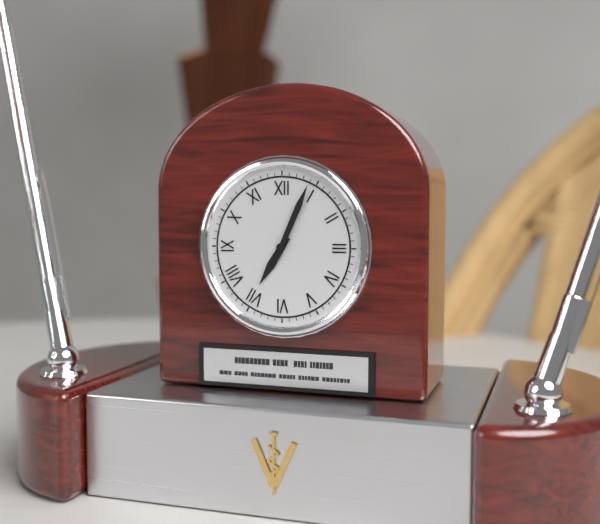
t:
7h04
